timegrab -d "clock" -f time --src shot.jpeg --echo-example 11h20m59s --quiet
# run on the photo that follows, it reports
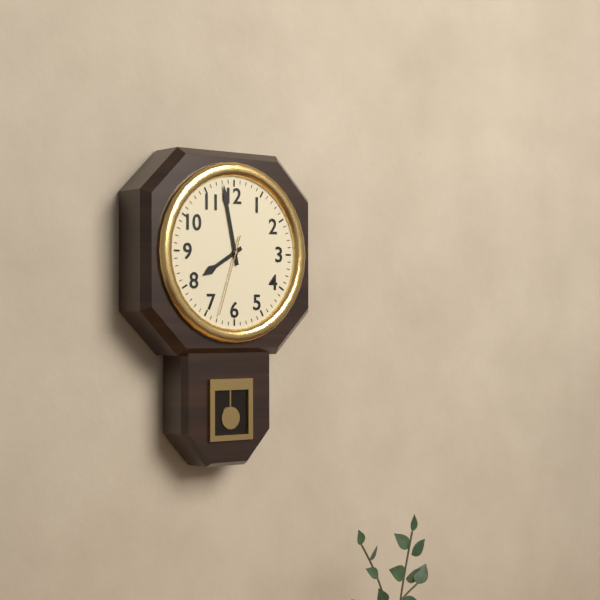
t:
7h58m33s
